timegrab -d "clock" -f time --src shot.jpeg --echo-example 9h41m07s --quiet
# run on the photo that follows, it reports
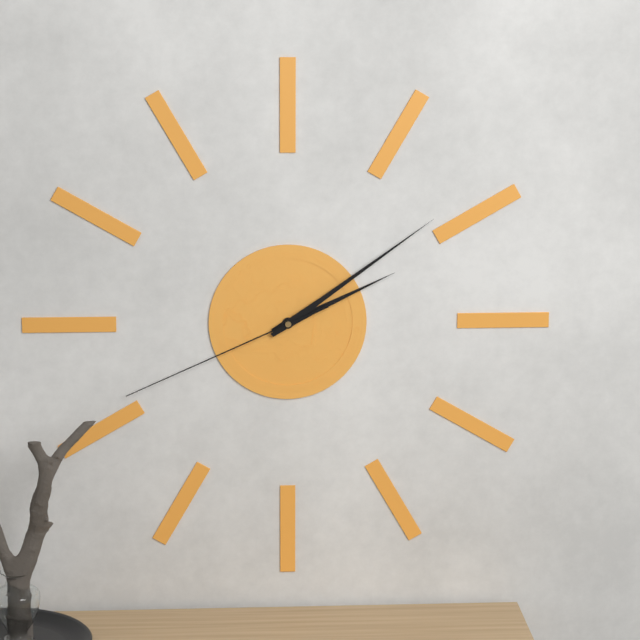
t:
2h09m41s
